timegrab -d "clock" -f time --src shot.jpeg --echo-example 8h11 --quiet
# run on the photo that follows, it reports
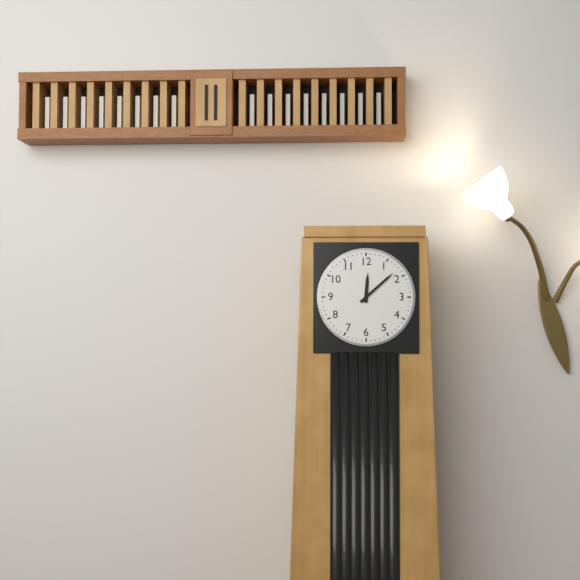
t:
12h08
